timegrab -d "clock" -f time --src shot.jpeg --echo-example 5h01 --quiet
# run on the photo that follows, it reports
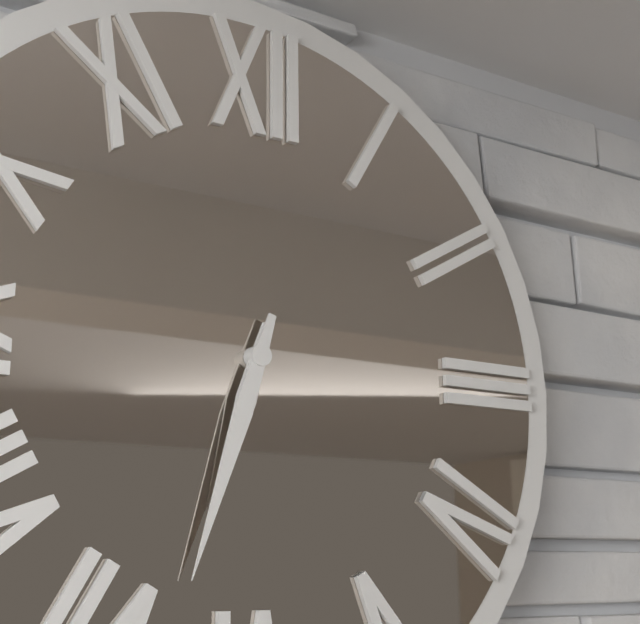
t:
6h33
